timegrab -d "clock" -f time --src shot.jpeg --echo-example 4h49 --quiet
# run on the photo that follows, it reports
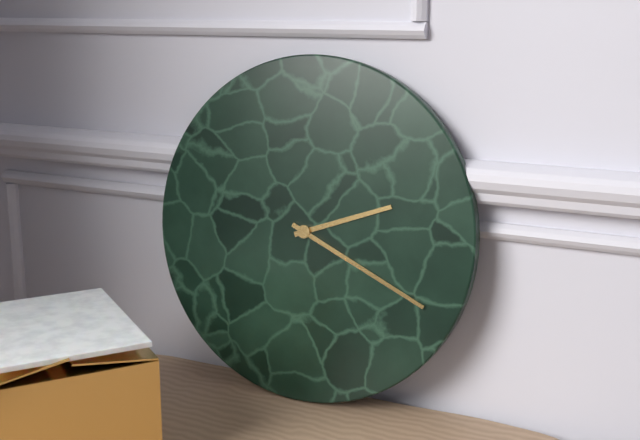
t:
2h19
